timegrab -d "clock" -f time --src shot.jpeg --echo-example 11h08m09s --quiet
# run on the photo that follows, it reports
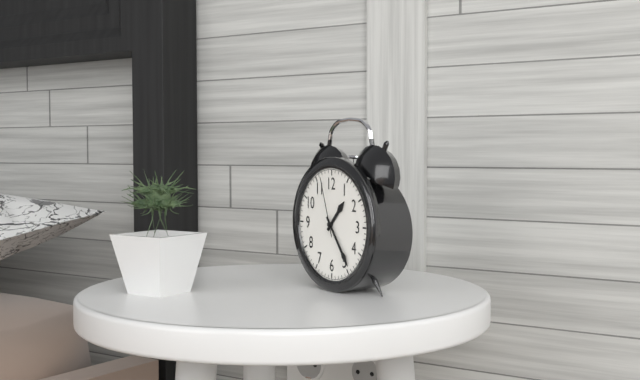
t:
1h24m57s
